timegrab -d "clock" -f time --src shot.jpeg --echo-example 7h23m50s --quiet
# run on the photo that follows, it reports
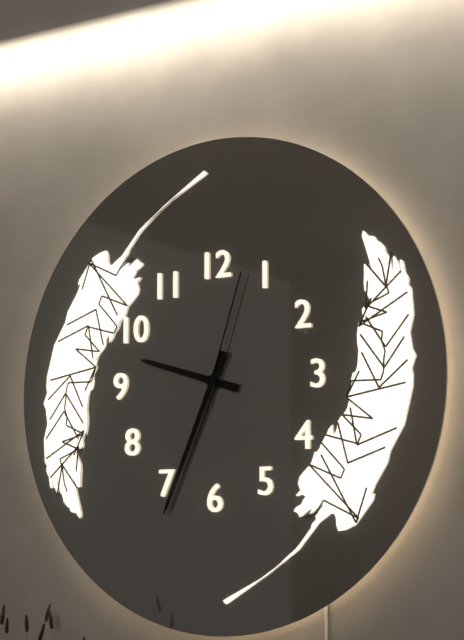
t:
9h34m03s
